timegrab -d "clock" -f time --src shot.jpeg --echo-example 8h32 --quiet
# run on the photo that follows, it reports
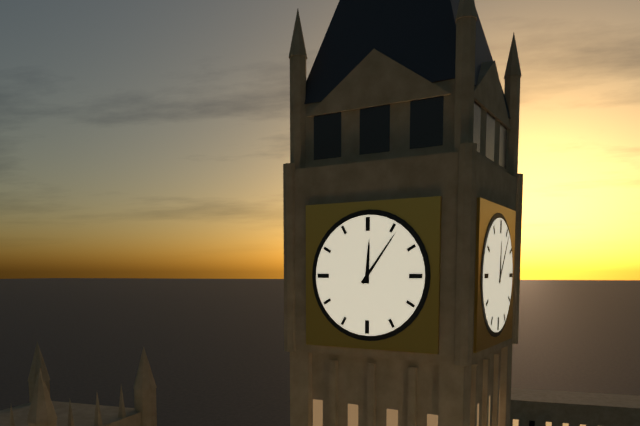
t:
12h06
